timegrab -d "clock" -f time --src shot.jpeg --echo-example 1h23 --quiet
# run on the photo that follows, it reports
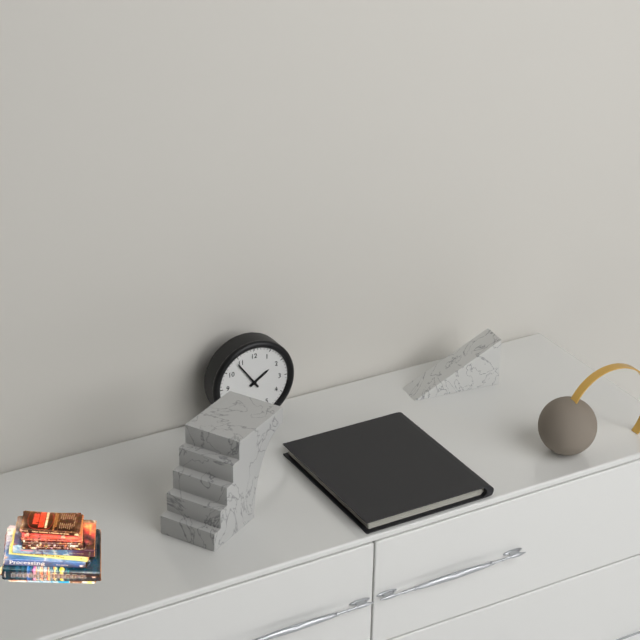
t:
1h54
